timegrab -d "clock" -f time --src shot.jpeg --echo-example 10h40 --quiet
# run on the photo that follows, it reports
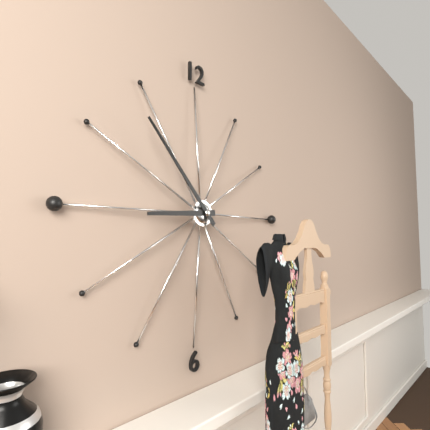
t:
8h53
